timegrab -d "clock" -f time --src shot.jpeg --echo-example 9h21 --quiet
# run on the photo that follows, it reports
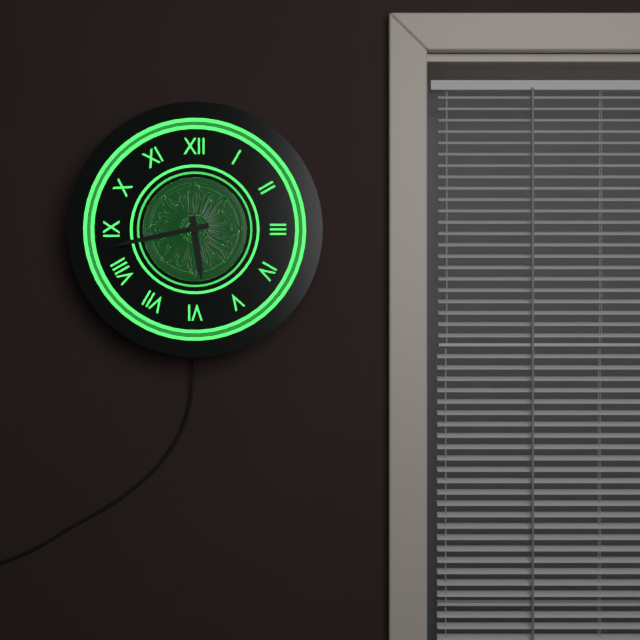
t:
5h43
